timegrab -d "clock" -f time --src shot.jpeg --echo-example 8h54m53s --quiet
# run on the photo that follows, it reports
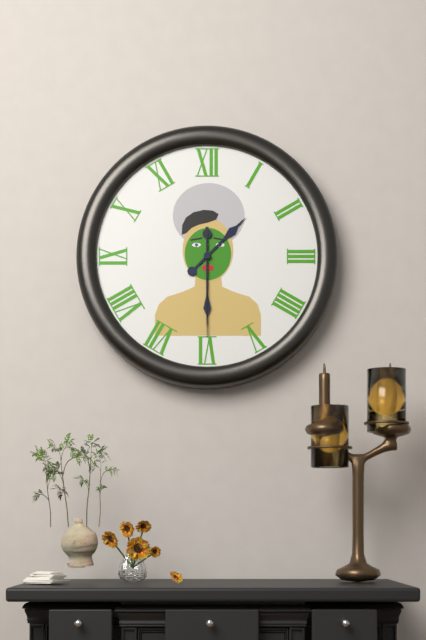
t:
1h30m30s
